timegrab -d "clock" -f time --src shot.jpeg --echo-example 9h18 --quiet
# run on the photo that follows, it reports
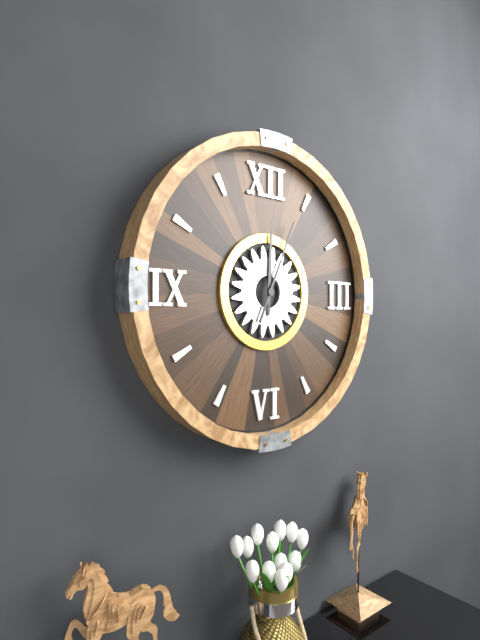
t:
12h04
